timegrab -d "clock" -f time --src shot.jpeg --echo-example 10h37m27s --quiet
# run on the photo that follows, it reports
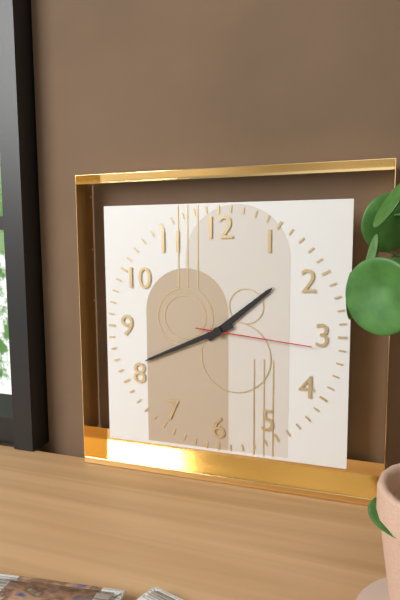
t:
1h41m16s
